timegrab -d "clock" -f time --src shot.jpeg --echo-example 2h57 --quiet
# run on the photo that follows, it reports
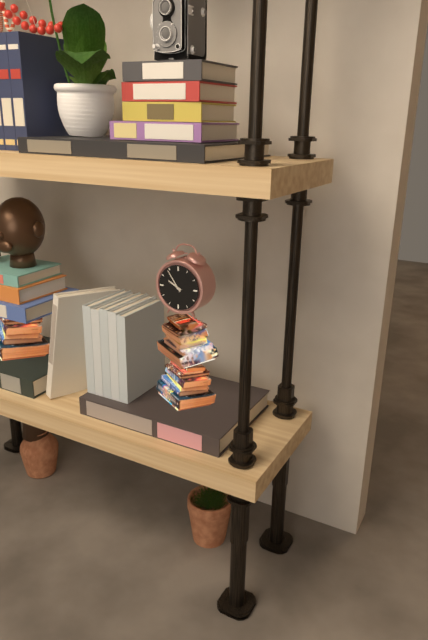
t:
9h54
